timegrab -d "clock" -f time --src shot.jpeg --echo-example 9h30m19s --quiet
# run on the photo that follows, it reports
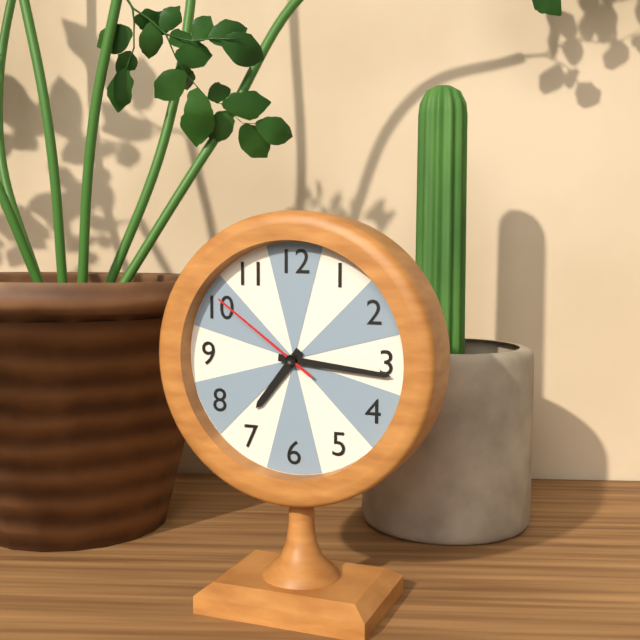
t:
7h16m51s
